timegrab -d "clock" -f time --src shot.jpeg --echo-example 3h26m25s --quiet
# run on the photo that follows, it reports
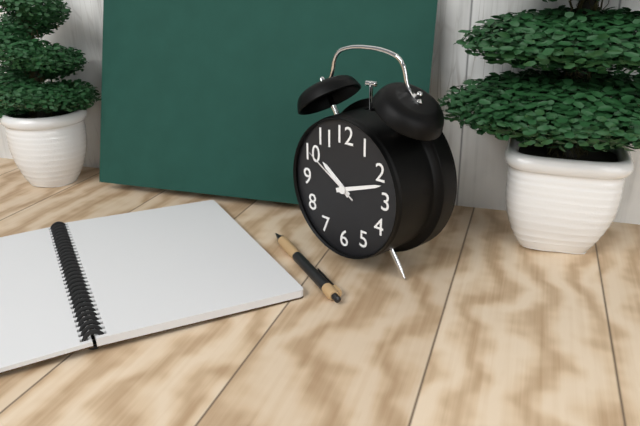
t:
10h12m50s
